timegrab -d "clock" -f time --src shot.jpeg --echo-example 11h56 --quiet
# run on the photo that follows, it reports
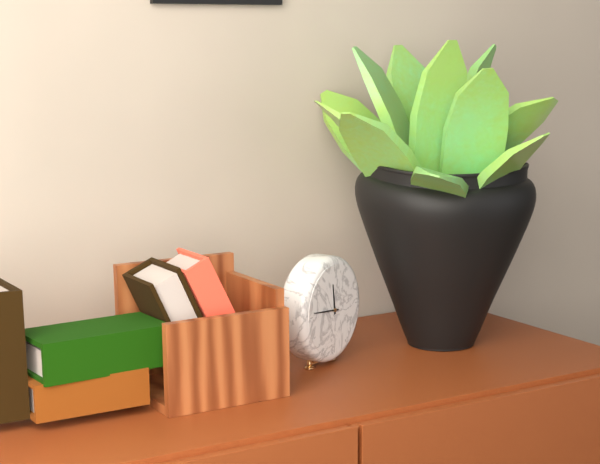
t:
11h46
